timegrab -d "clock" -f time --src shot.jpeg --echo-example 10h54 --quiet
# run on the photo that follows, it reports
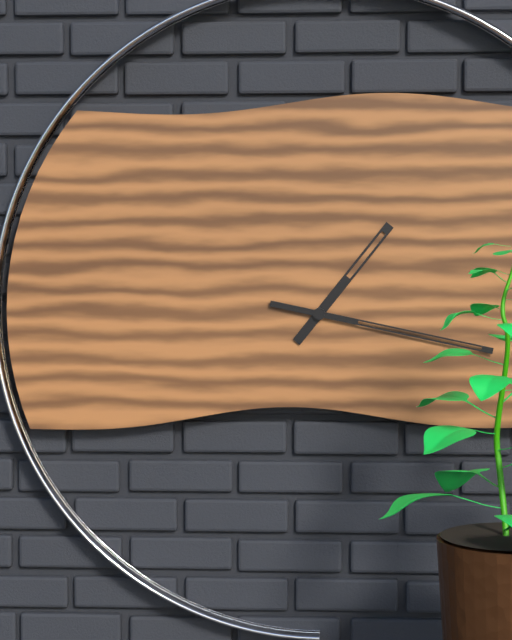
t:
1h17
